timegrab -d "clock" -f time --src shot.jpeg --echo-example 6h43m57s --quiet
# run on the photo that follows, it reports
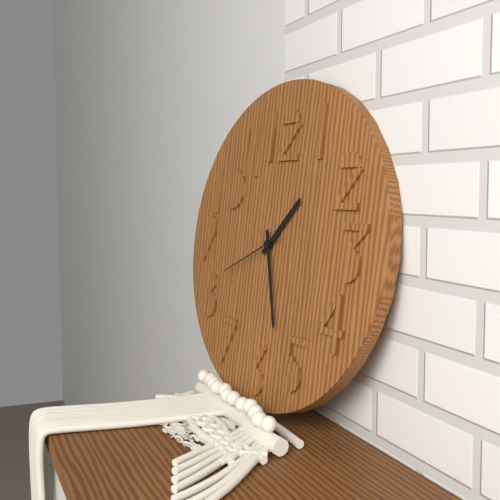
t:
1h27m41s
